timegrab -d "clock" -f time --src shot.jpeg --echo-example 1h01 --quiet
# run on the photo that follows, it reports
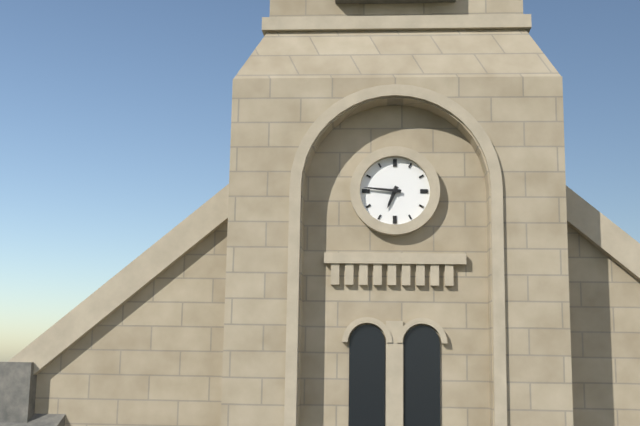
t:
6h46
